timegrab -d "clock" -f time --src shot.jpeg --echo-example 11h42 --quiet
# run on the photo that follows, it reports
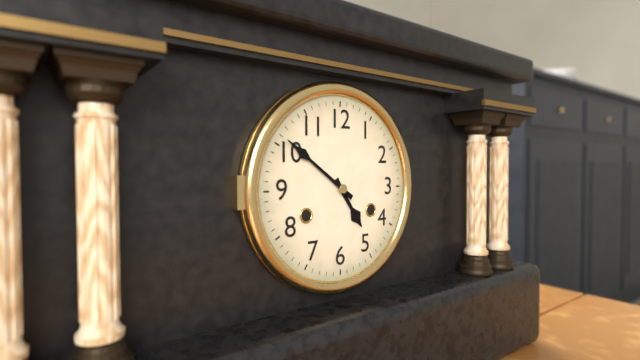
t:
4h51
